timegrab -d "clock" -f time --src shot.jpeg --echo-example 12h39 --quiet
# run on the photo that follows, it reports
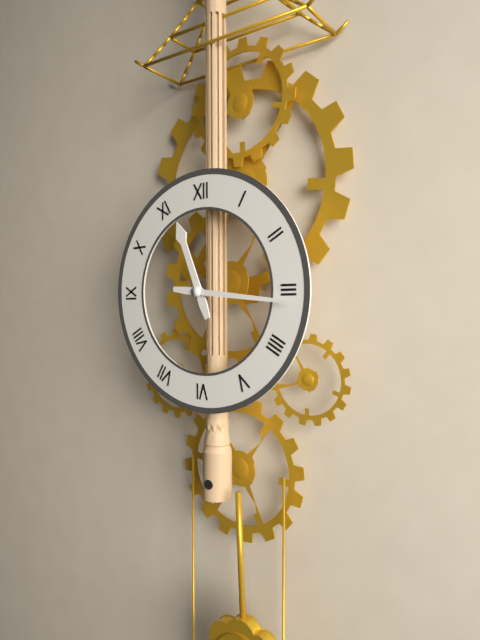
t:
11h16
